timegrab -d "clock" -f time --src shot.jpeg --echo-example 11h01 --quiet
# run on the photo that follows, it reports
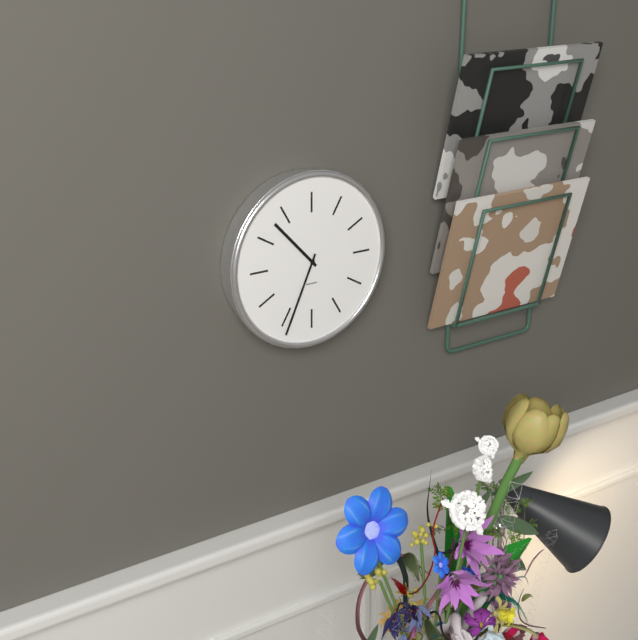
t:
10h34
